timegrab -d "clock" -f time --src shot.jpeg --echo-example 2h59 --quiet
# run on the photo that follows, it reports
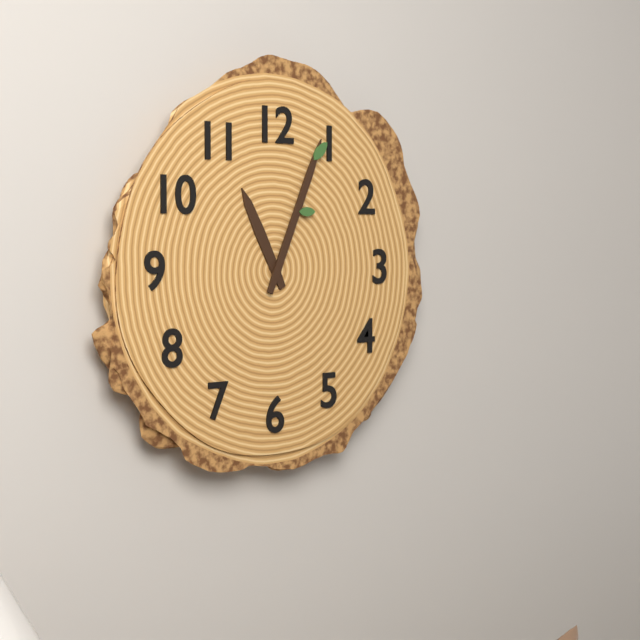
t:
11h04
